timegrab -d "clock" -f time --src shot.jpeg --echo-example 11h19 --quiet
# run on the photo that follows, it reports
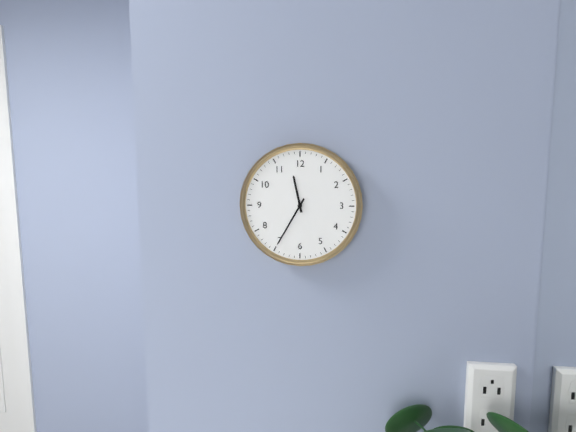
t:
11h35
